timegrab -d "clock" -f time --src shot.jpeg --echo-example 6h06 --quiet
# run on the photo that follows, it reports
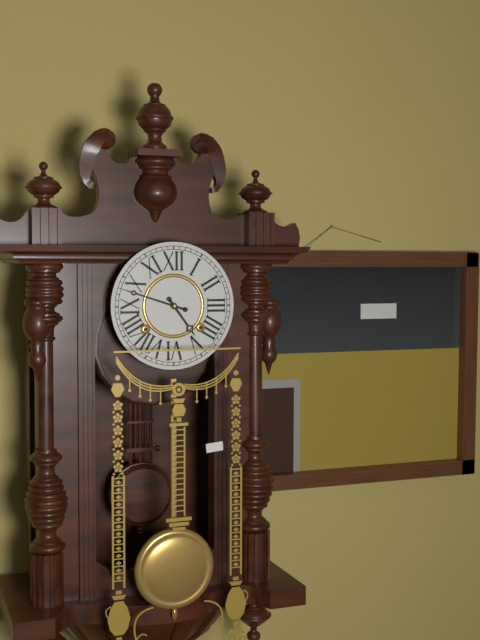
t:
4h48
